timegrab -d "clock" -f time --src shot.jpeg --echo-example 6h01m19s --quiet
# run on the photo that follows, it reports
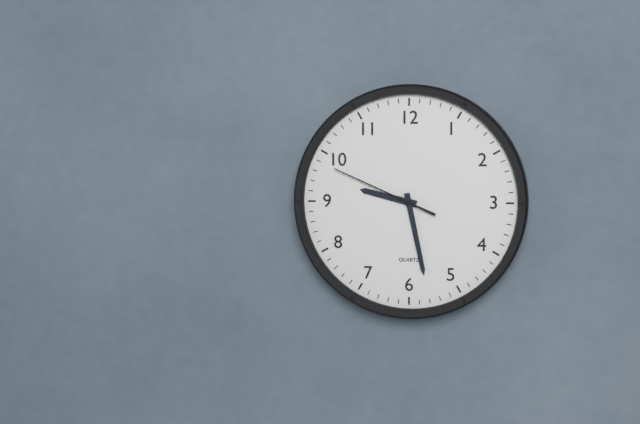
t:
9h28m49s
